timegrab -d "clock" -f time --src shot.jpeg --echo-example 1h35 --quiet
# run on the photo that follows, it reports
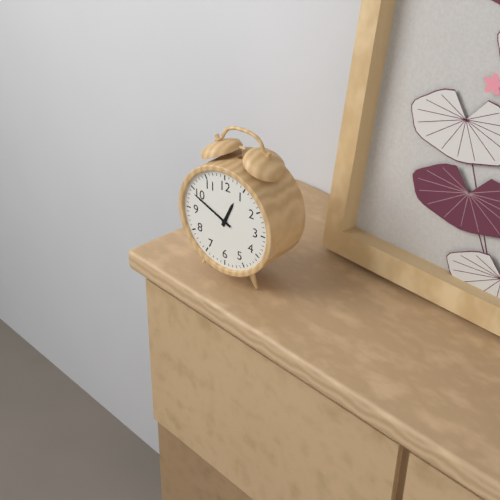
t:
12h49
